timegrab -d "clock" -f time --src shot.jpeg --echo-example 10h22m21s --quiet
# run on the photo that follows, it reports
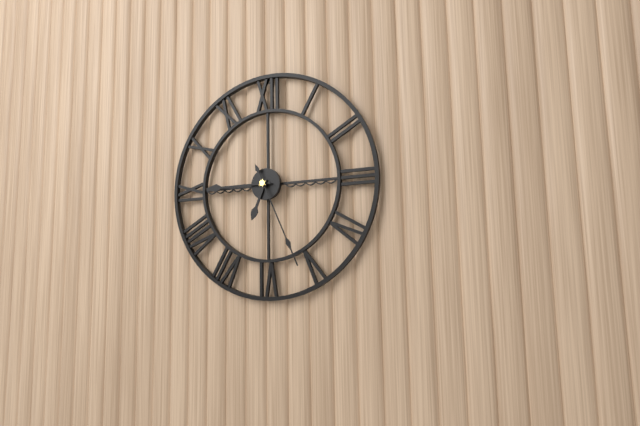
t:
6h45m26s
